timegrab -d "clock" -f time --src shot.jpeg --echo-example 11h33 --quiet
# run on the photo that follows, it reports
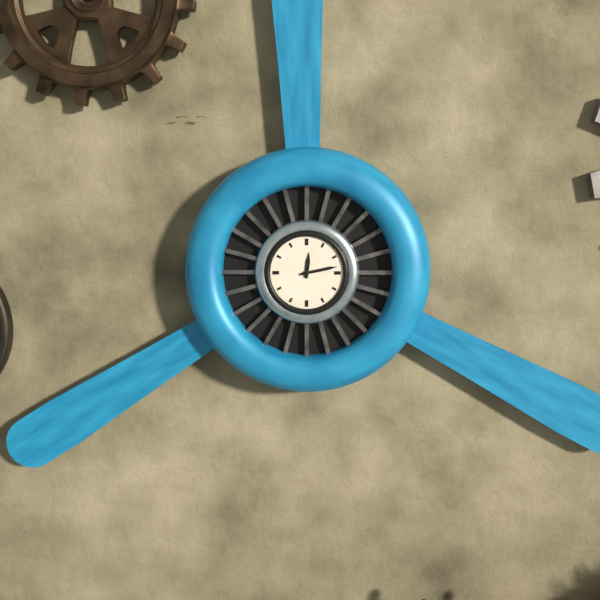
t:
12h13
